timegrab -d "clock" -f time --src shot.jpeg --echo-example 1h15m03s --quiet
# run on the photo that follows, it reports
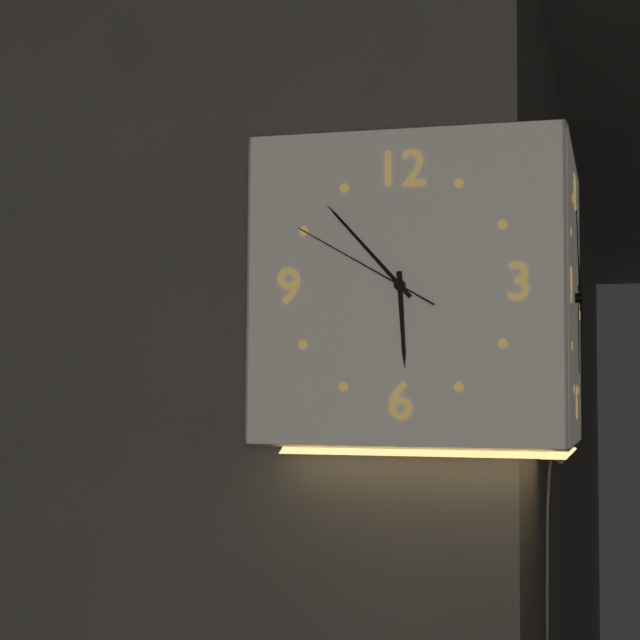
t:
5h53m50s
